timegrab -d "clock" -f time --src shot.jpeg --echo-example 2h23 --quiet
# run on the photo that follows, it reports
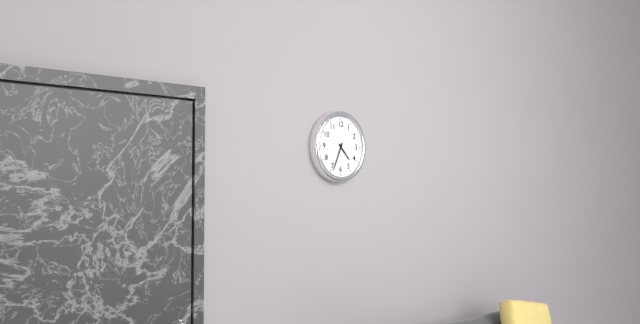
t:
4h34
